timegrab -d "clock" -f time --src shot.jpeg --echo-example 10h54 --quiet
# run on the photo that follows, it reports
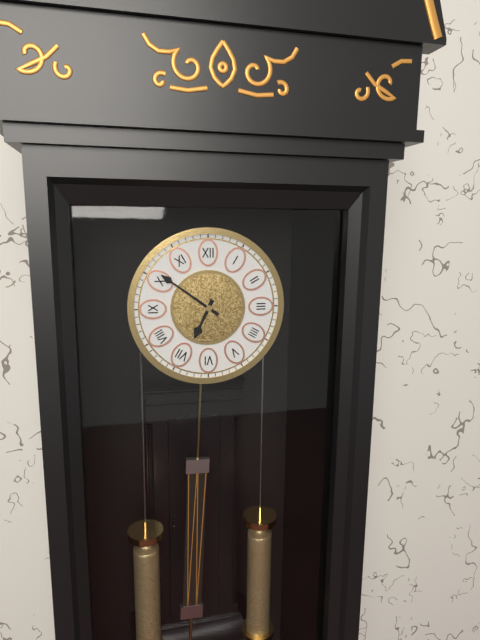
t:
6h51
